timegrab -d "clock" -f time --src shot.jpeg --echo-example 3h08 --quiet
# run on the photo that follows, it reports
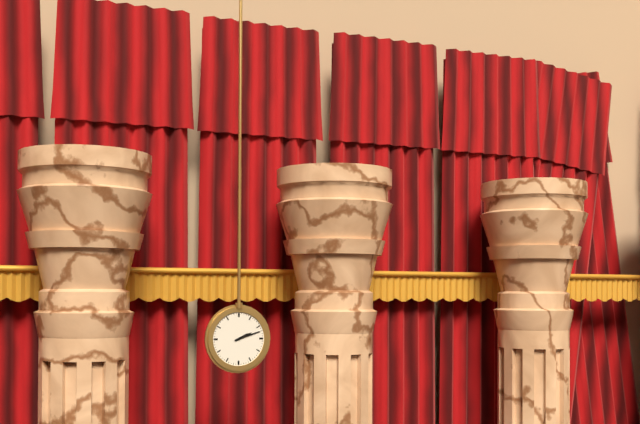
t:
2h12
